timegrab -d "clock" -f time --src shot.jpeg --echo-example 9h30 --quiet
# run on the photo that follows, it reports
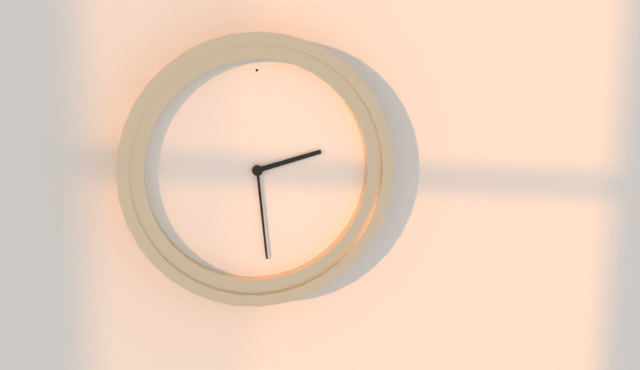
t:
2h29
